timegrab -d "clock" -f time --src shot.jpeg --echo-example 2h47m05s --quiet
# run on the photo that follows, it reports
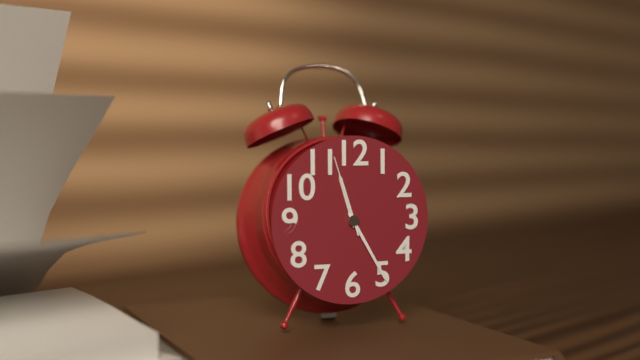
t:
11h25m57s
